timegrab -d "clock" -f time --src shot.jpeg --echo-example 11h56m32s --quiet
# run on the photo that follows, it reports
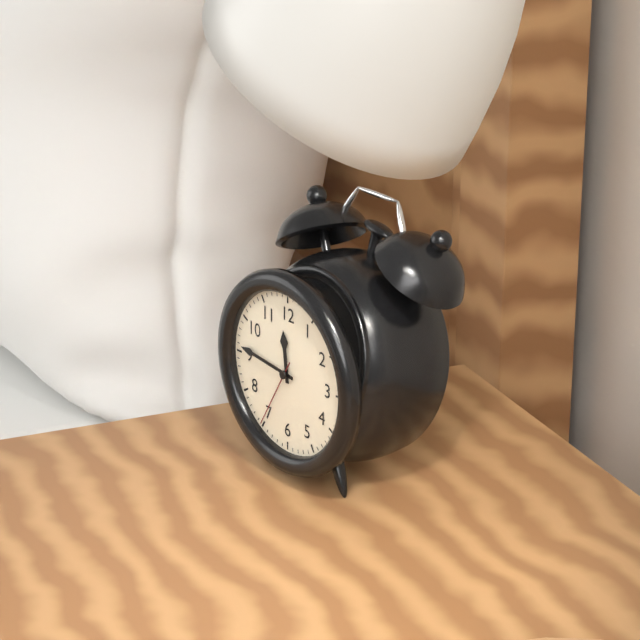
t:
11h46m35s
